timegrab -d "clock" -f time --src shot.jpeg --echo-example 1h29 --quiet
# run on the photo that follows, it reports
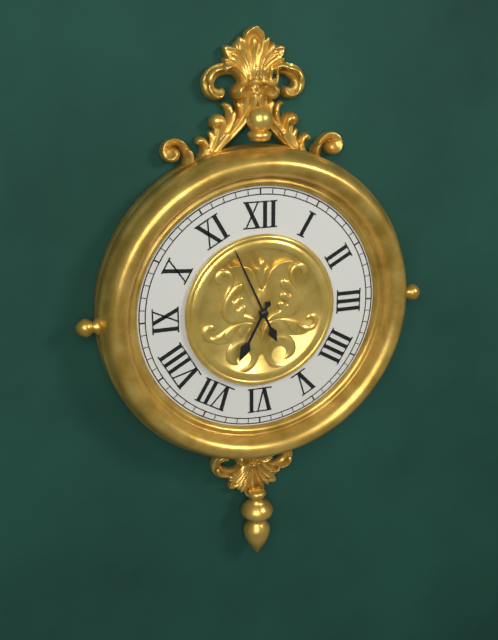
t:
6h56
